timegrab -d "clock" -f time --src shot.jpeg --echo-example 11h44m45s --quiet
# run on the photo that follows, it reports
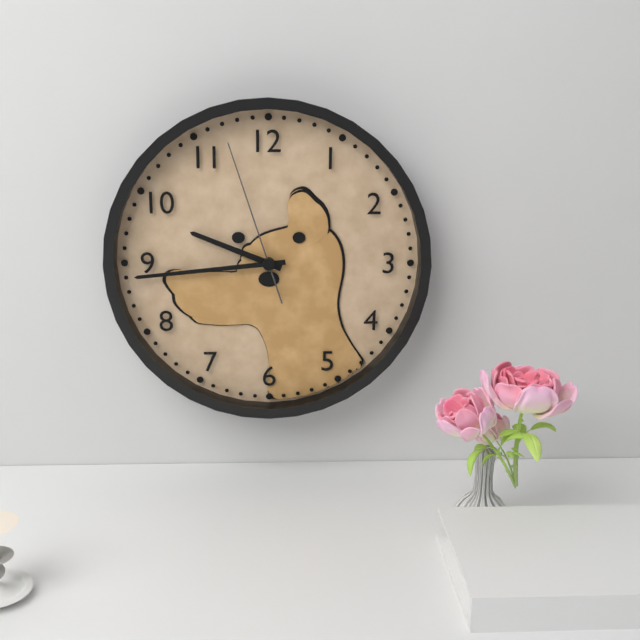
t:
9h44m57s
